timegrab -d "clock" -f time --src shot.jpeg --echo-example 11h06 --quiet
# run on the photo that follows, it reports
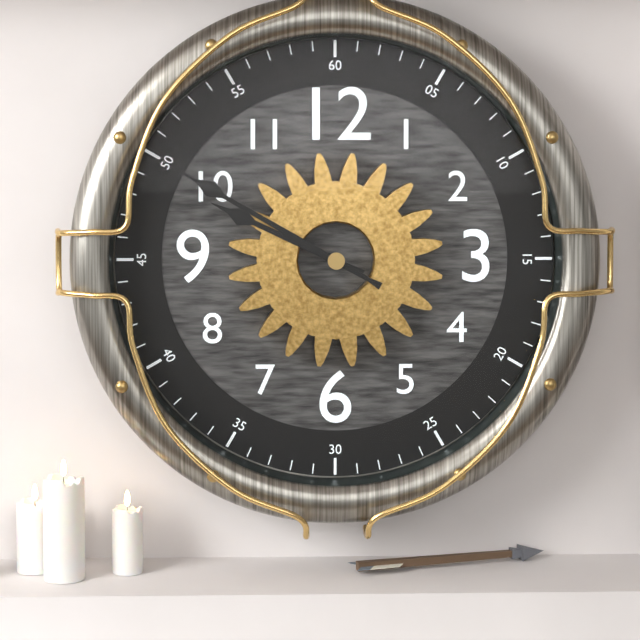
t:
9h50
